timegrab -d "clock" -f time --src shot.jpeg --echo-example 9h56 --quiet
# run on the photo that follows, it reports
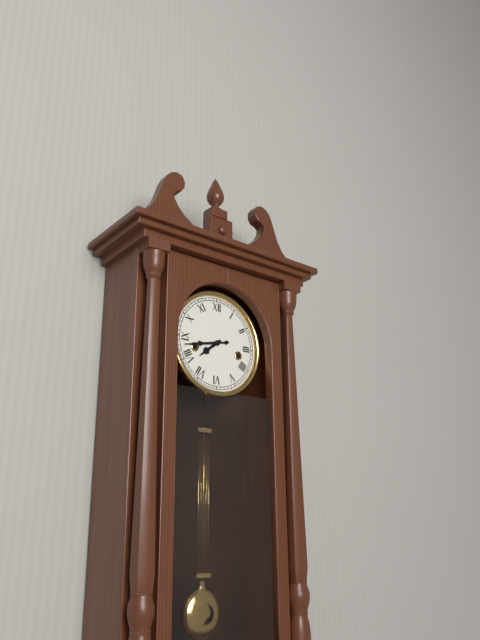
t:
7h43
